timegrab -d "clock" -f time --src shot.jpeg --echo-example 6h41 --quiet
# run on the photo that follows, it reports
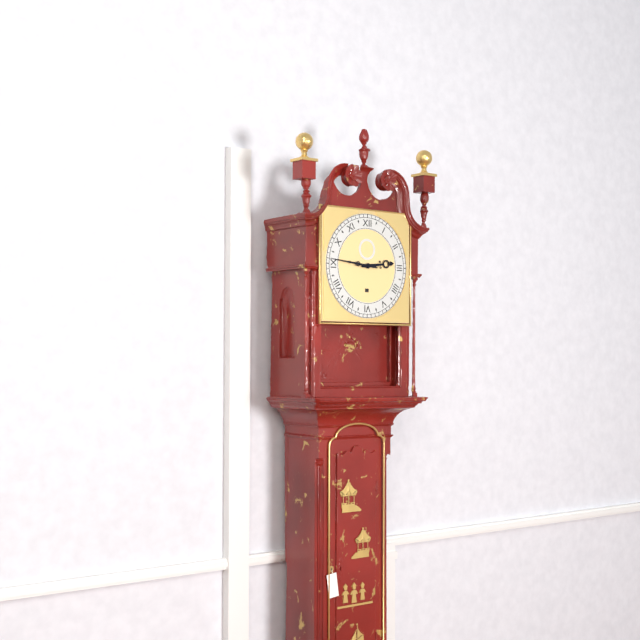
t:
2h46
